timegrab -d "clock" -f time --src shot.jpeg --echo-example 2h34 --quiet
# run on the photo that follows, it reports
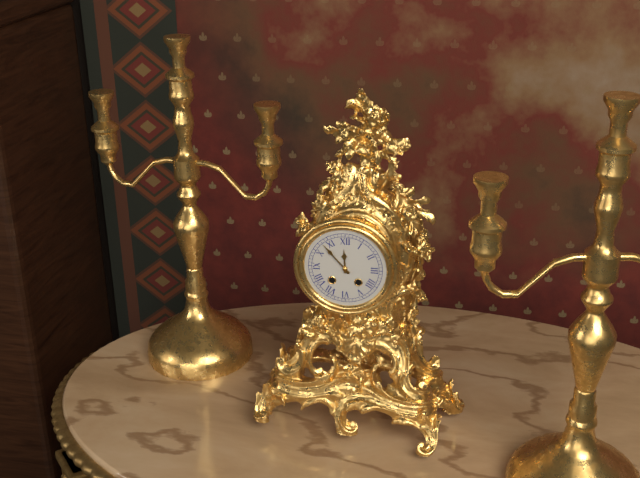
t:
11h53
